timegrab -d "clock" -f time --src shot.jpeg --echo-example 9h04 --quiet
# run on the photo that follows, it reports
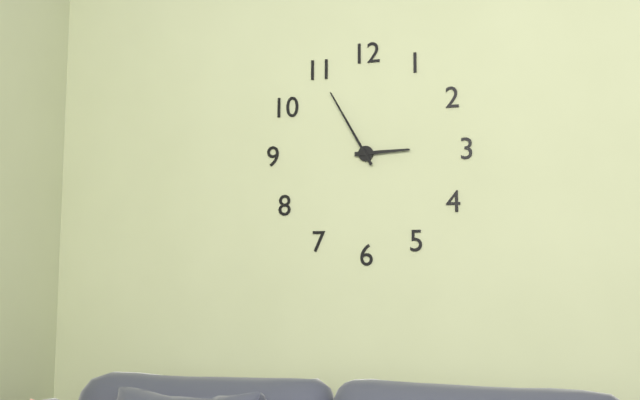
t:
2h55
